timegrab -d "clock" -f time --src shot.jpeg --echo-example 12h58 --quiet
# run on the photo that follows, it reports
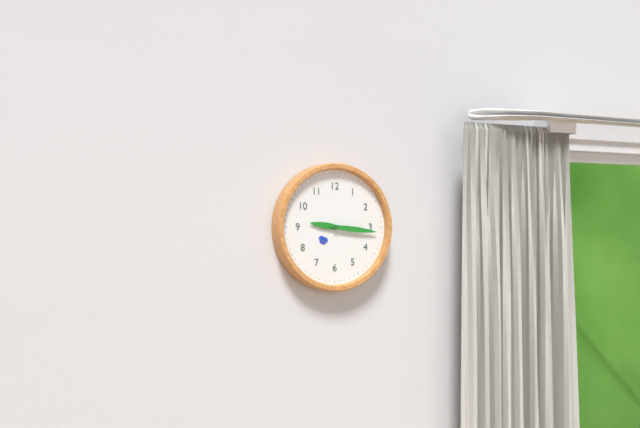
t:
9h16
